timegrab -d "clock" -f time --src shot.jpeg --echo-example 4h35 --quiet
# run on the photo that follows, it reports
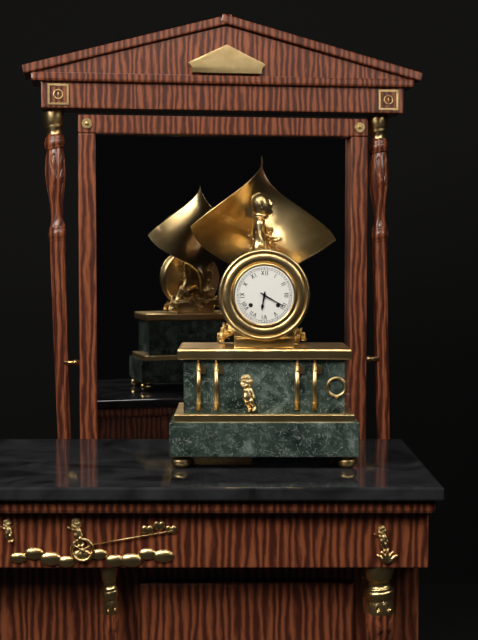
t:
6h20
